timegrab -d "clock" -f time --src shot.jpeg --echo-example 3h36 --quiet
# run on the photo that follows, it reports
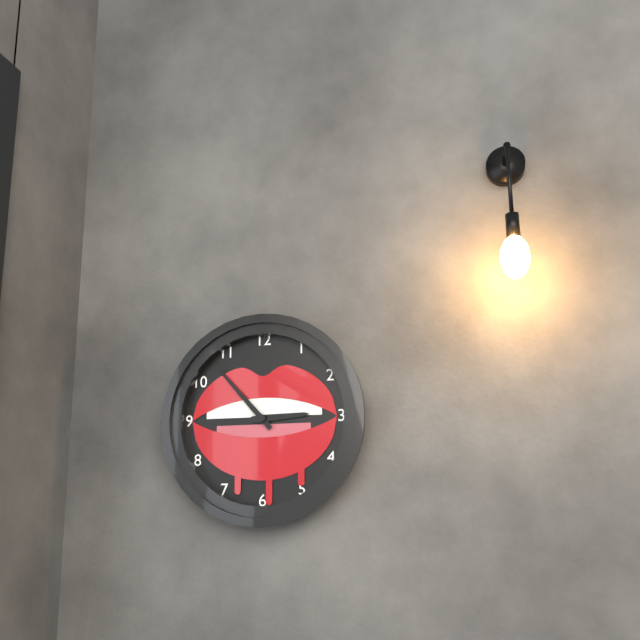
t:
2h53
